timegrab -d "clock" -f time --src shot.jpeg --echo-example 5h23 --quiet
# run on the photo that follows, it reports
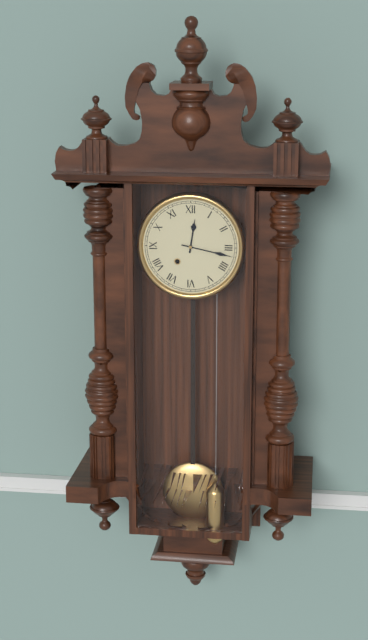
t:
12h17
